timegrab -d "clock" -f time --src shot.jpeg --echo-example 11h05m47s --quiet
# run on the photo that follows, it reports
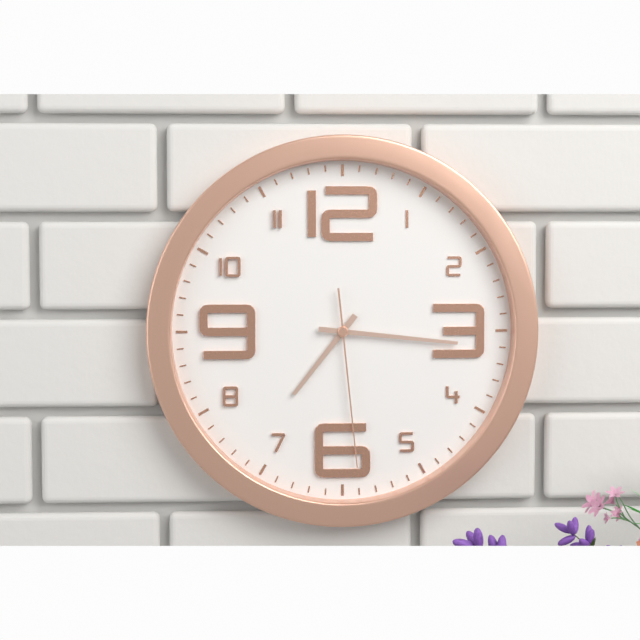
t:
7h16m29s
